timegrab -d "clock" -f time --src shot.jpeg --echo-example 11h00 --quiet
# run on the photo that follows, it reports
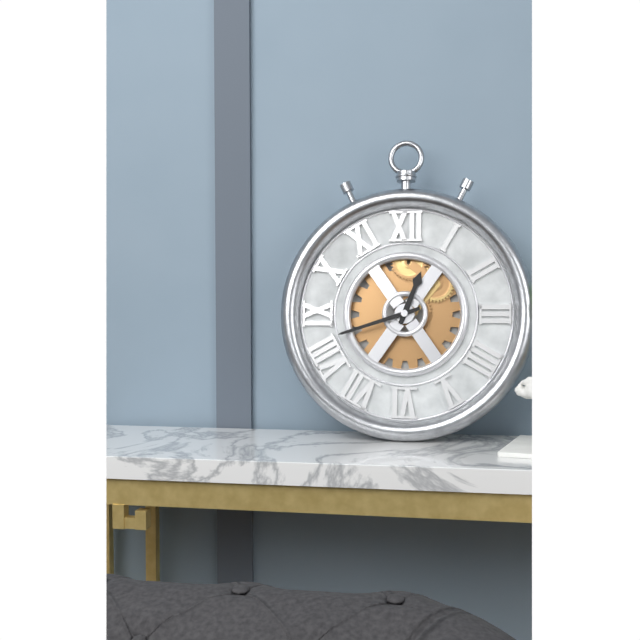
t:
12h42
